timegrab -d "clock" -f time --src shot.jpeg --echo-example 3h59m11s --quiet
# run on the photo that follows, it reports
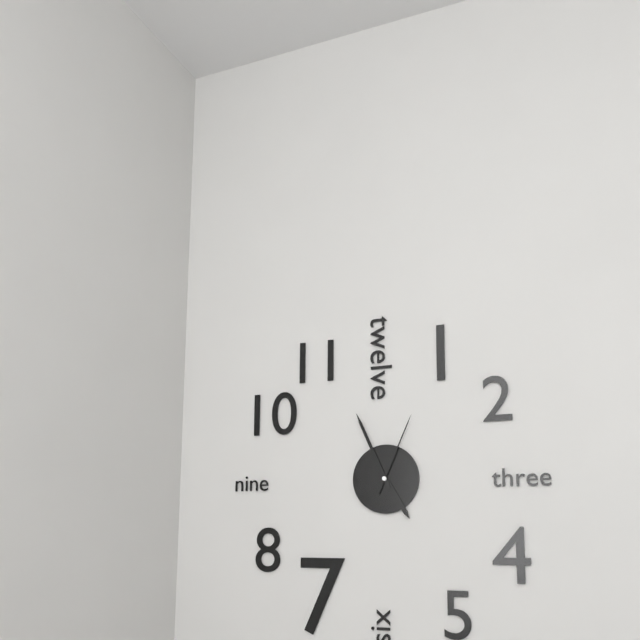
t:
4h56m04s
